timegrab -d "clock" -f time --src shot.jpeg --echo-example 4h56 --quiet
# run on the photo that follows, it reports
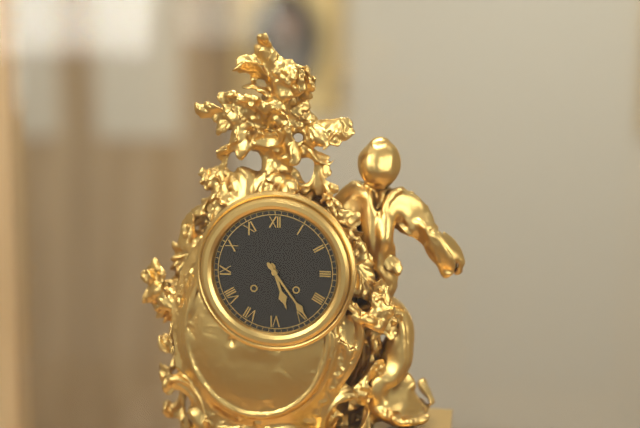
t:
5h24
